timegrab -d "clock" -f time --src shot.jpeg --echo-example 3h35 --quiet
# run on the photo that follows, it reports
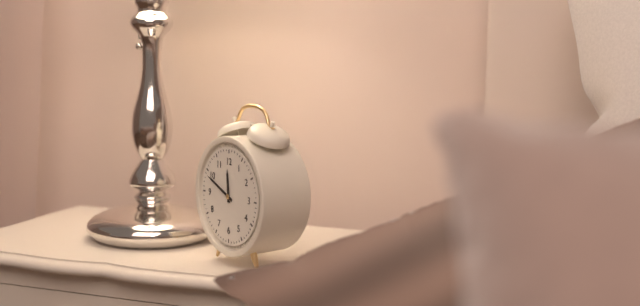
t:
11h49
